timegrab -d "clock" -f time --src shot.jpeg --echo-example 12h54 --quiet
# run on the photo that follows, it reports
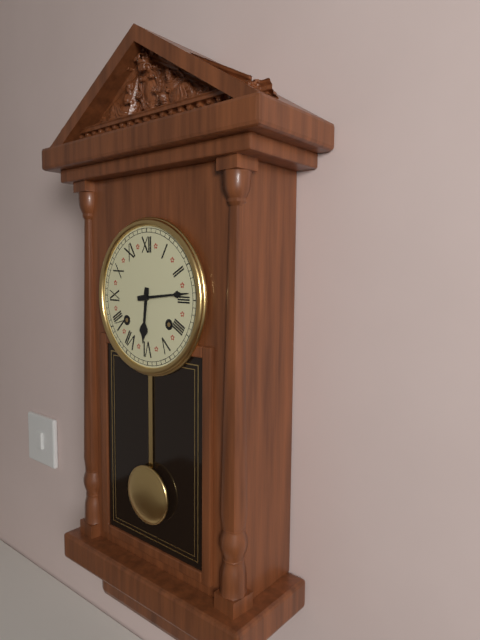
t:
6h14
